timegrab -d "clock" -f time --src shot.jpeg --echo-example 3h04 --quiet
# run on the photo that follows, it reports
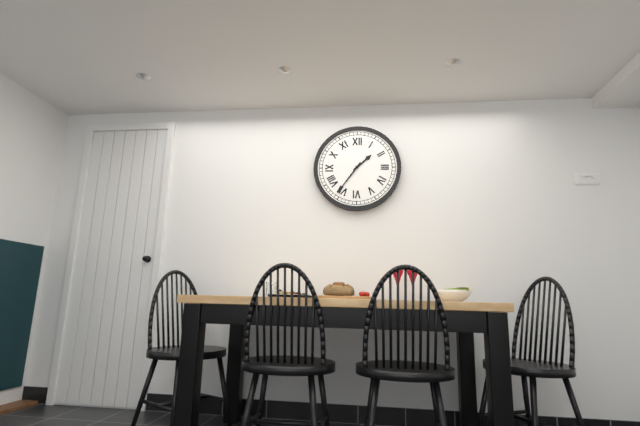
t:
1h36
